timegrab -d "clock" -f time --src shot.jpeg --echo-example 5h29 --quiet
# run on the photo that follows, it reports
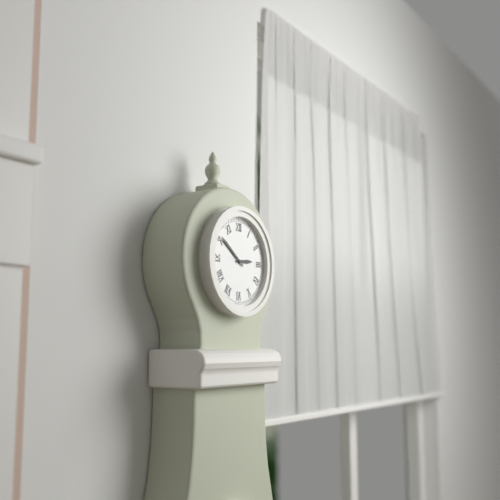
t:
2h51
